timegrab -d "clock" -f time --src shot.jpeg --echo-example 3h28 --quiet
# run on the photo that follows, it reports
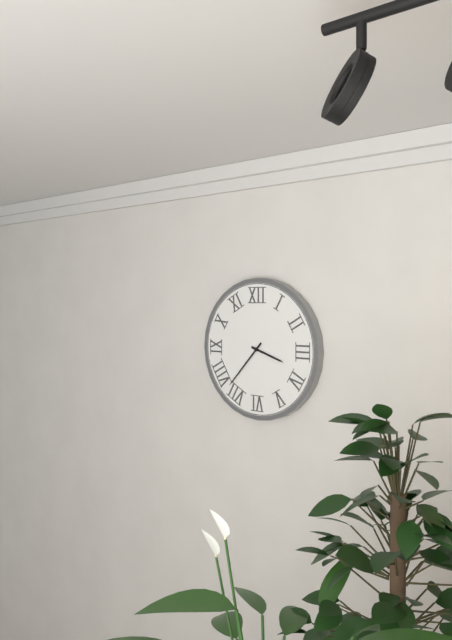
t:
3h37
